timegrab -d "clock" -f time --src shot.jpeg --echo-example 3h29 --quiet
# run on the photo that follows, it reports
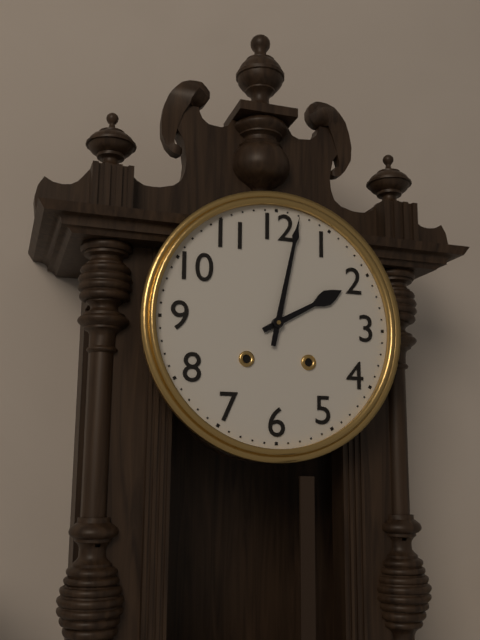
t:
2h02
